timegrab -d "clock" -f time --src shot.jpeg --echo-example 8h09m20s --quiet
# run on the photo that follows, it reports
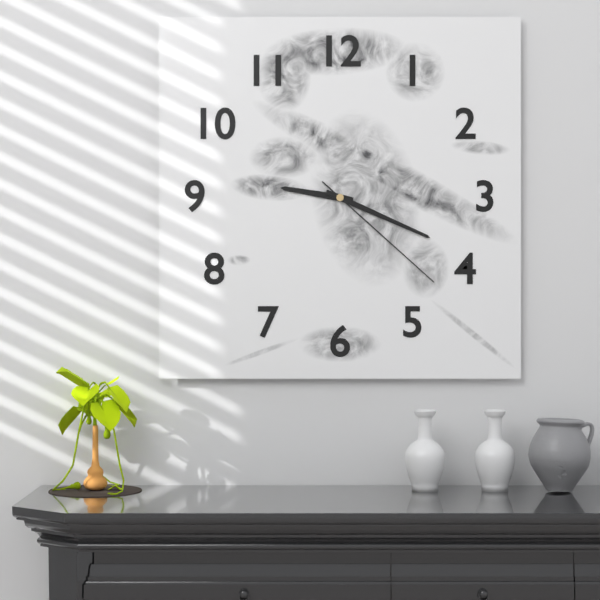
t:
9h19m22s
